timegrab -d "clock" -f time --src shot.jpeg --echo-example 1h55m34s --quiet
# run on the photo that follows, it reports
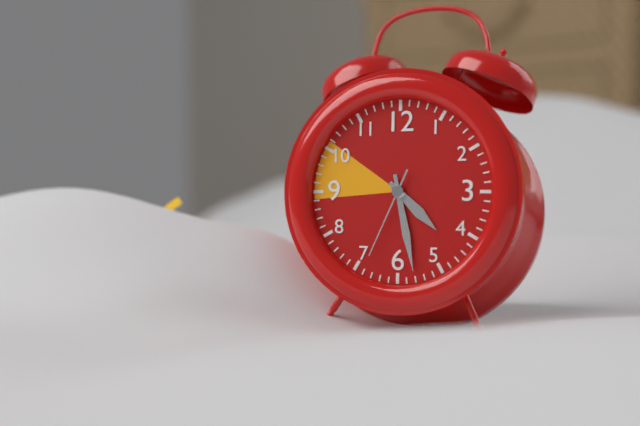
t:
4h28m34s
